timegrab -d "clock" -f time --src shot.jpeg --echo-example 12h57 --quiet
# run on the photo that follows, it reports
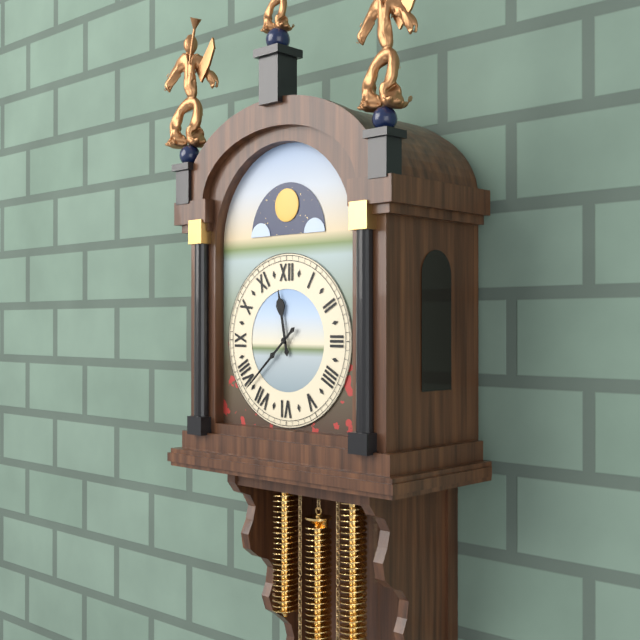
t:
11h38
